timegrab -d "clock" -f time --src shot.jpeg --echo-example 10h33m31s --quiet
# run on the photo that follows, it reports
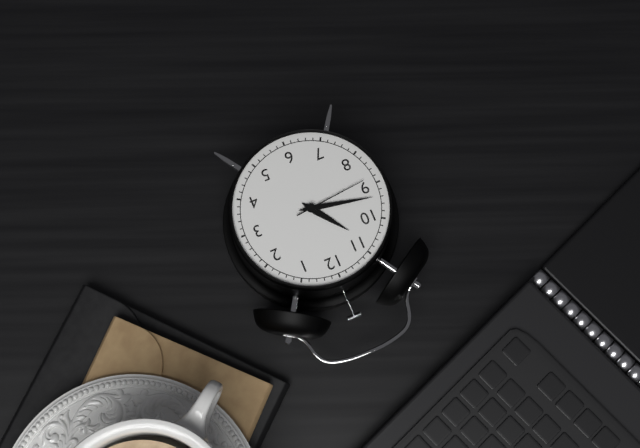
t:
10h47m44s
